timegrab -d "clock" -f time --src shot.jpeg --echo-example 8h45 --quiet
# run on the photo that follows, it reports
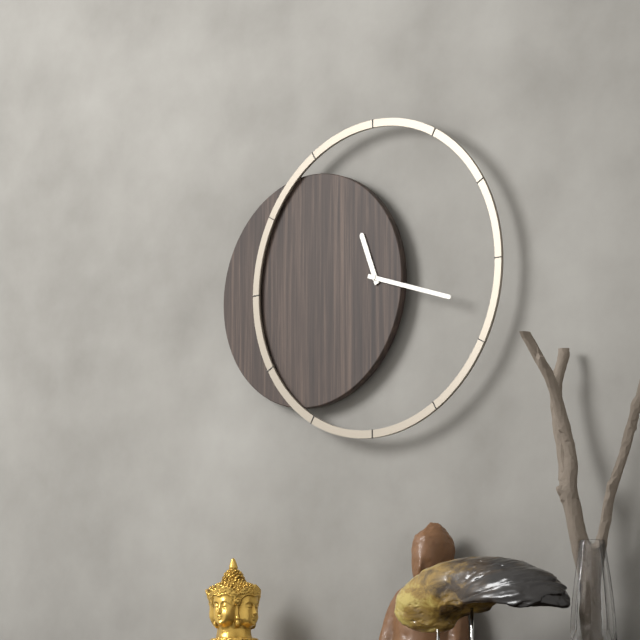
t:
11h18
